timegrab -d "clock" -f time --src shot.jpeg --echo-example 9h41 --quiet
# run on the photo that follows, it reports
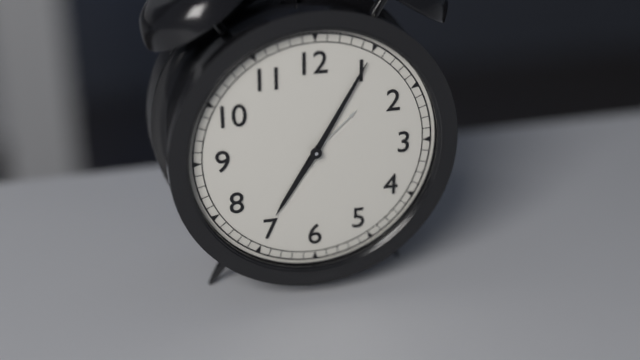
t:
7h05
